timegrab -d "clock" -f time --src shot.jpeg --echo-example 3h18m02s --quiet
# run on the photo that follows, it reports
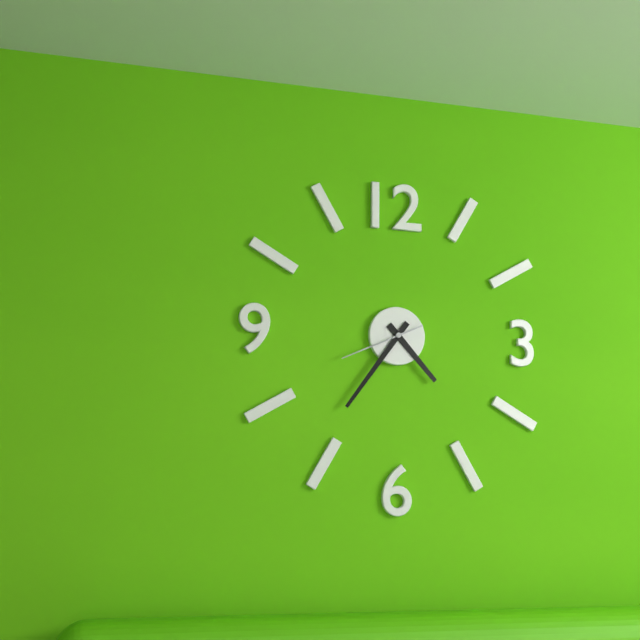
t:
4h36m41s
